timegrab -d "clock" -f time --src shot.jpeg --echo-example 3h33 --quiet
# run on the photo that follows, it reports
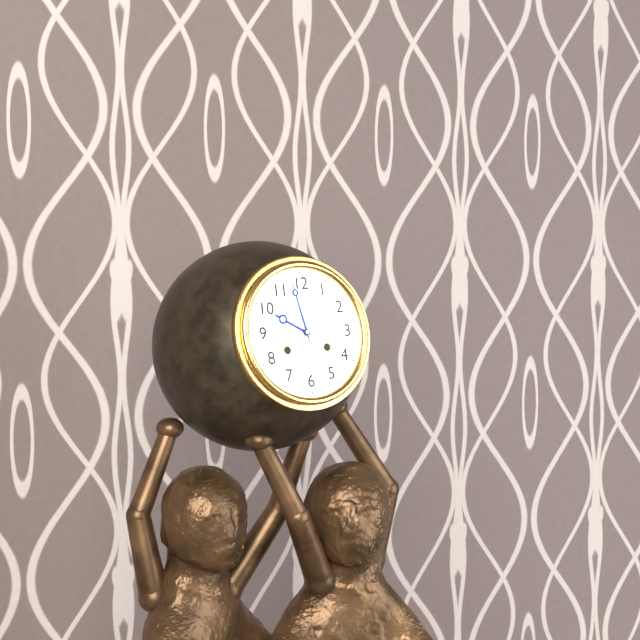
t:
9h58
